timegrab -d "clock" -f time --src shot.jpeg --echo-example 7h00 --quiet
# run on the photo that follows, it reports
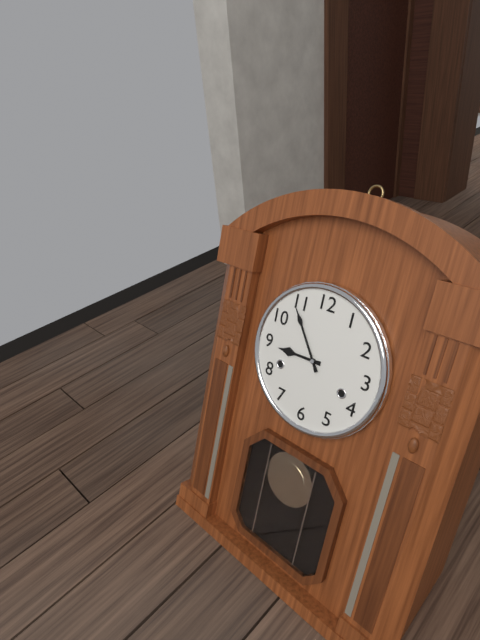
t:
8h54
